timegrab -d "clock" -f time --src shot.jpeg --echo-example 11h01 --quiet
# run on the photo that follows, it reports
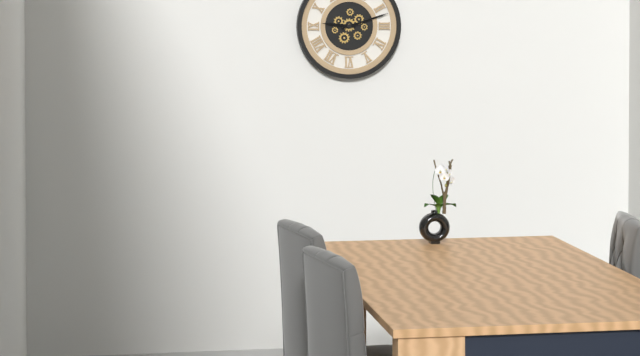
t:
9h12
